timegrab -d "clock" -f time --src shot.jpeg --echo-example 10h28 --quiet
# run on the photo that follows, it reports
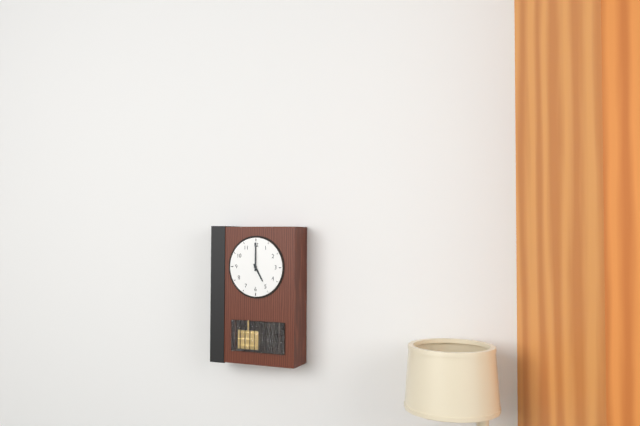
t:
5h00
